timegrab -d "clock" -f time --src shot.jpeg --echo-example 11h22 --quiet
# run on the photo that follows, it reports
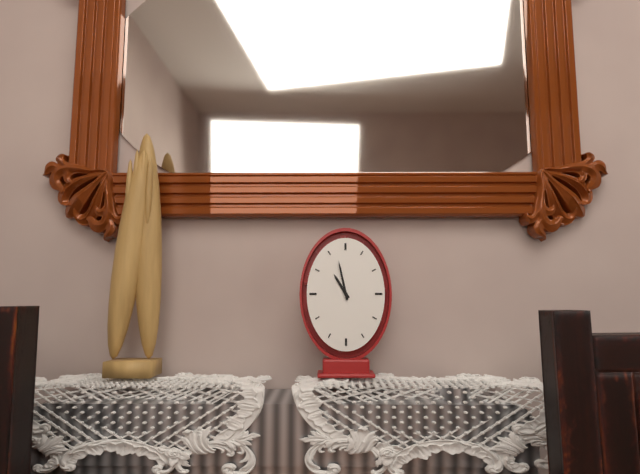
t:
10h58
